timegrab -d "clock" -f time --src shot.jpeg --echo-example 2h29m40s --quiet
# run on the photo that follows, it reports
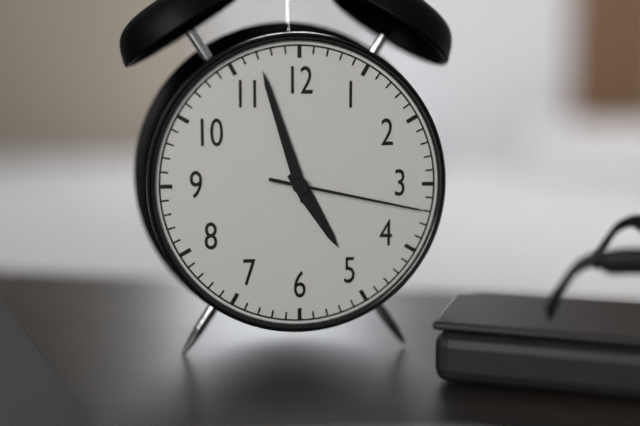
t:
4h57m17s
